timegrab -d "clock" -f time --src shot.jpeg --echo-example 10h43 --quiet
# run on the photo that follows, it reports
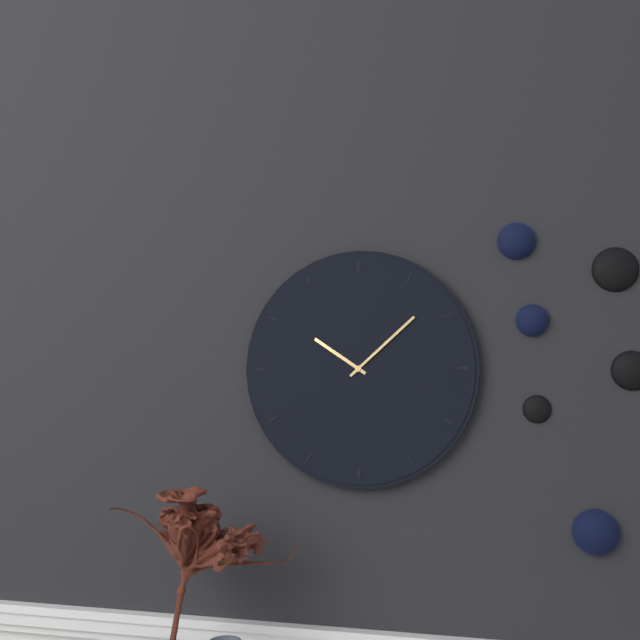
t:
10h08
